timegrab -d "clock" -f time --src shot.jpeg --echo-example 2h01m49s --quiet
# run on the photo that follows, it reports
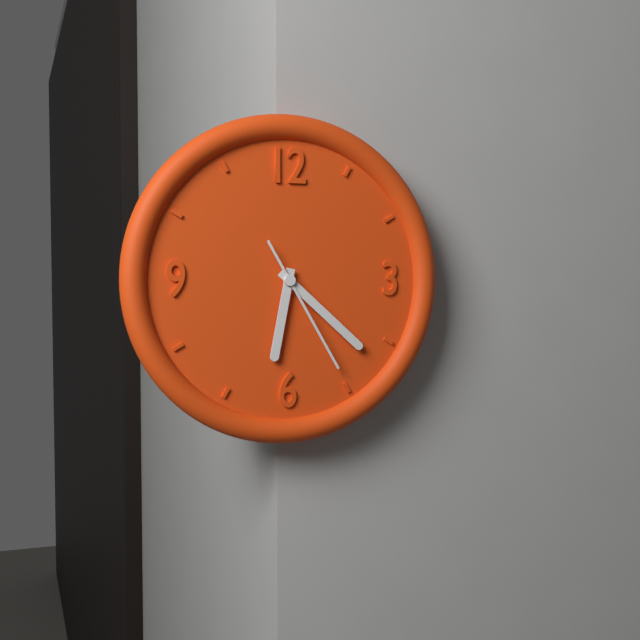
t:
6h22m25s
